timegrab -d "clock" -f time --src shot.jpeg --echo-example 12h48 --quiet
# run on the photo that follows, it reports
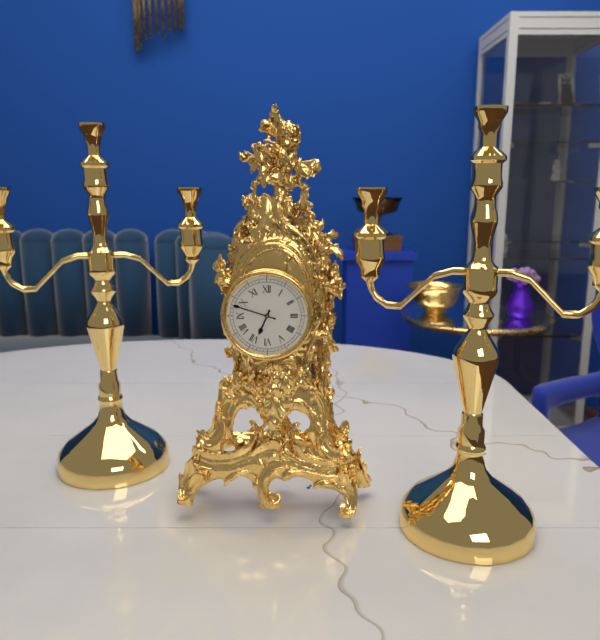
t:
6h48
